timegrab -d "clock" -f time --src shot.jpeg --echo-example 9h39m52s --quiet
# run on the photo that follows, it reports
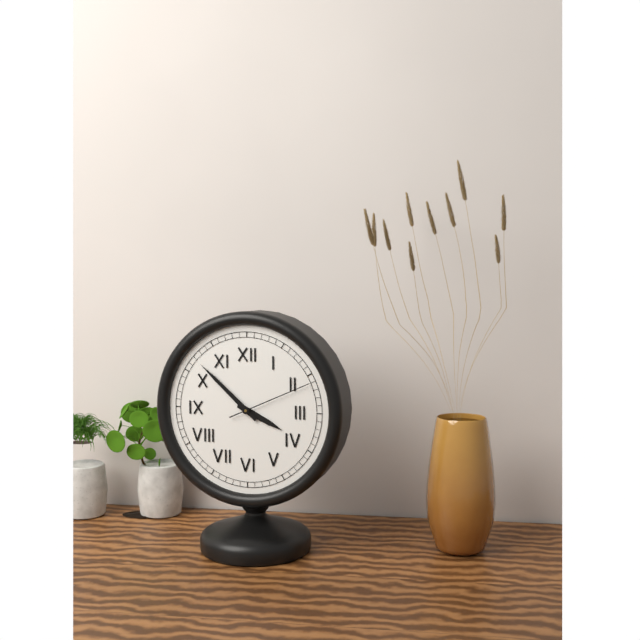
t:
3h52m11s
